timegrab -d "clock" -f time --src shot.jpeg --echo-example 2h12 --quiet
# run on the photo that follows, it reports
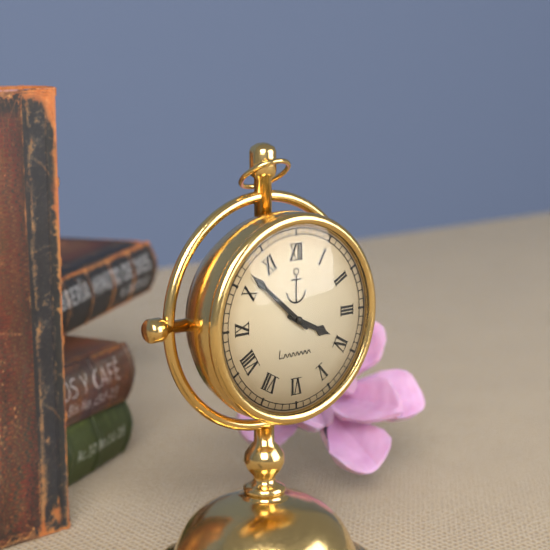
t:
3h52
